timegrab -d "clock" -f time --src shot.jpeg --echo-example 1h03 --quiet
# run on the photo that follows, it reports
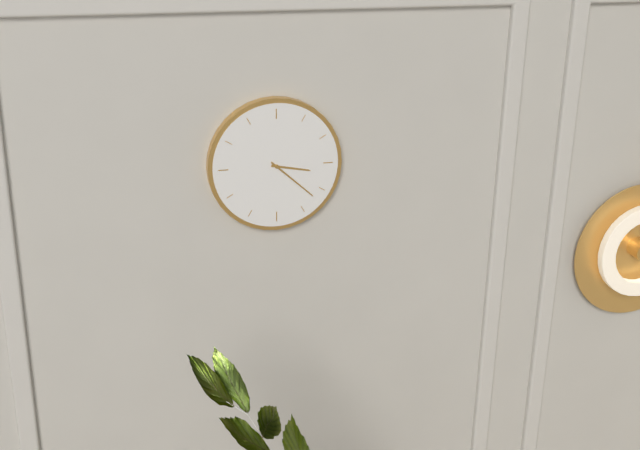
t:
3h22
